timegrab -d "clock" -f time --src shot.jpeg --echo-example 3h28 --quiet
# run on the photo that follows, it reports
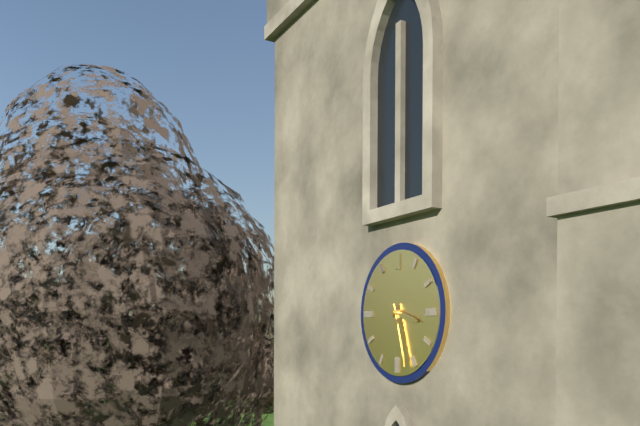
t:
3h27
